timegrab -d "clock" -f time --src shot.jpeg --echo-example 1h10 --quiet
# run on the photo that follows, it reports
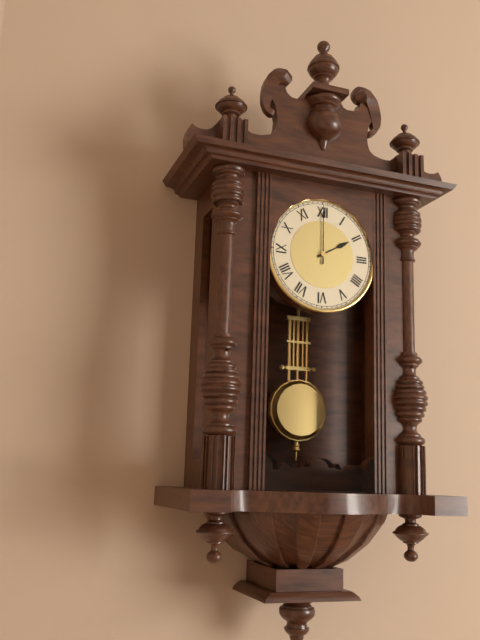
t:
2h00
